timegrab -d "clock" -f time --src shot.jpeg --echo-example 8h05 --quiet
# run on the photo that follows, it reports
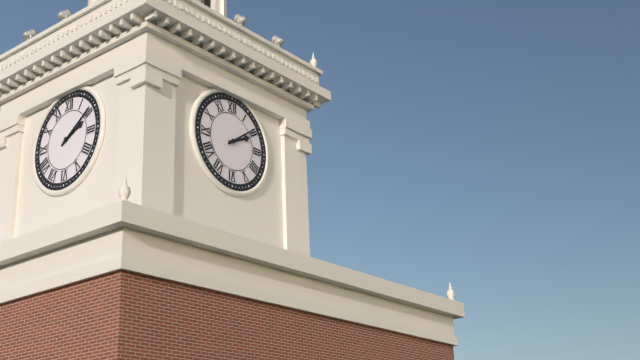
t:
2h09
